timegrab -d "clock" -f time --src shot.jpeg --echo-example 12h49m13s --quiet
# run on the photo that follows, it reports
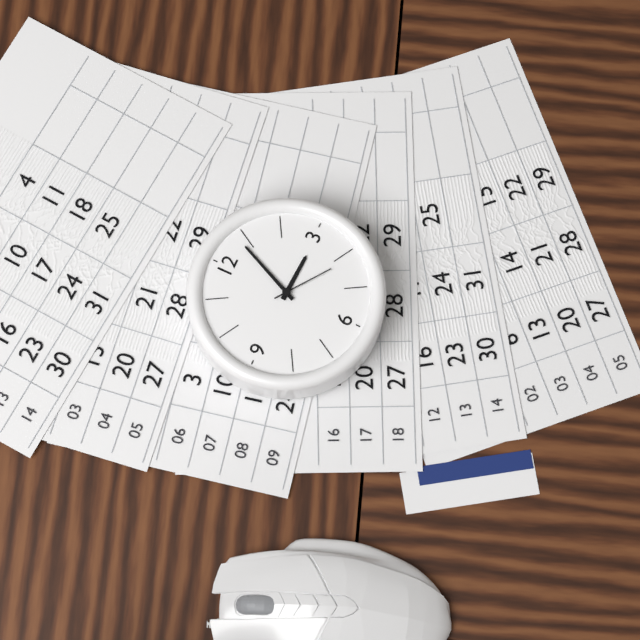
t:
3h04m21s
